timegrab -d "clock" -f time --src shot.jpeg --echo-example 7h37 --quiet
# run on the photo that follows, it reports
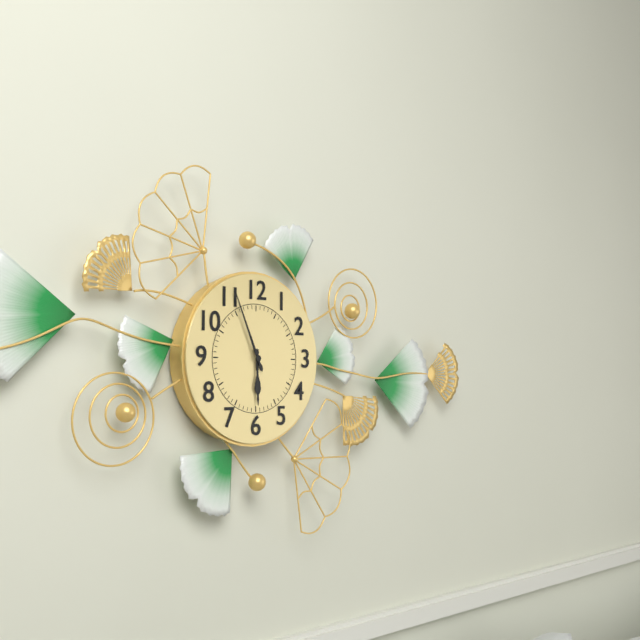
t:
5h56
